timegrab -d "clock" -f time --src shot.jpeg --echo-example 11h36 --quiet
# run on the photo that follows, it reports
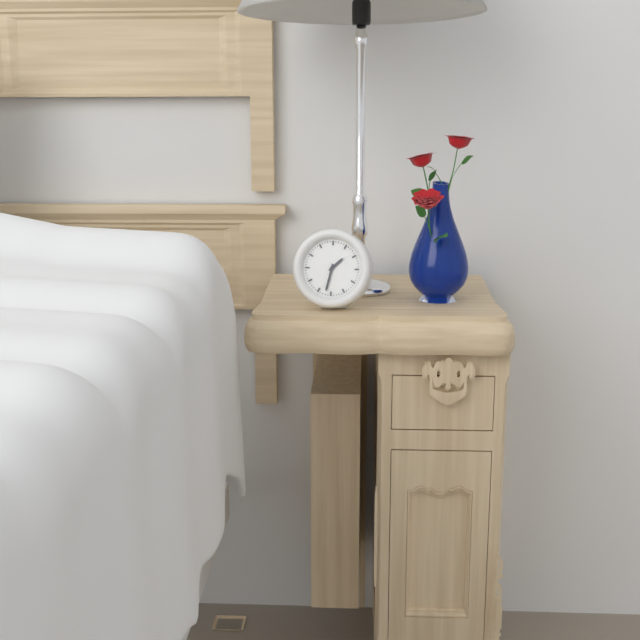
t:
1h32
